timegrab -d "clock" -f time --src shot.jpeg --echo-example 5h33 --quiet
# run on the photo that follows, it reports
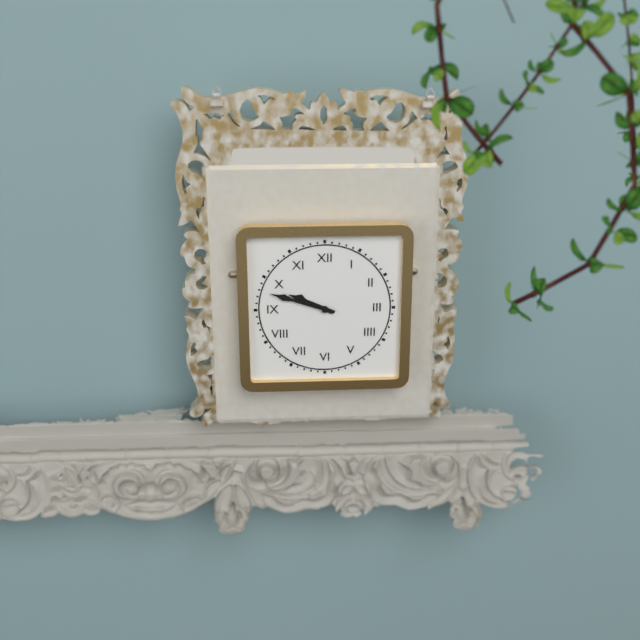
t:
9h48
